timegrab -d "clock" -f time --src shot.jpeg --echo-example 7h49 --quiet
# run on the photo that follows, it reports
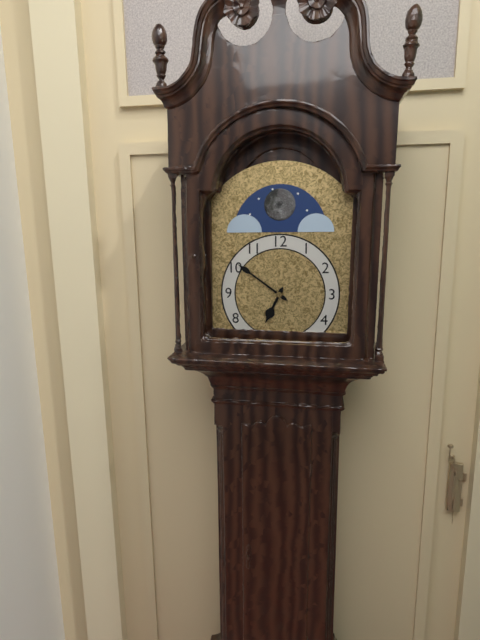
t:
6h51
